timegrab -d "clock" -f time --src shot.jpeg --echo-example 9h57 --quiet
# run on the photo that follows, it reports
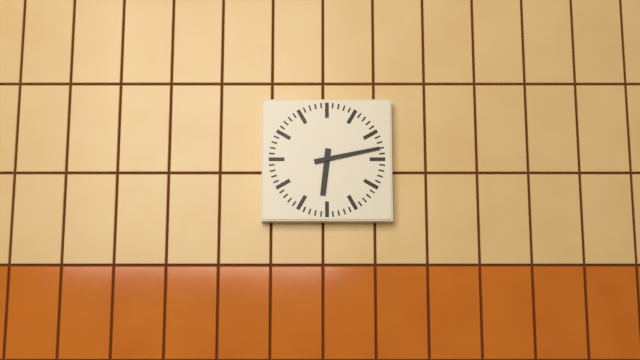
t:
6h13
